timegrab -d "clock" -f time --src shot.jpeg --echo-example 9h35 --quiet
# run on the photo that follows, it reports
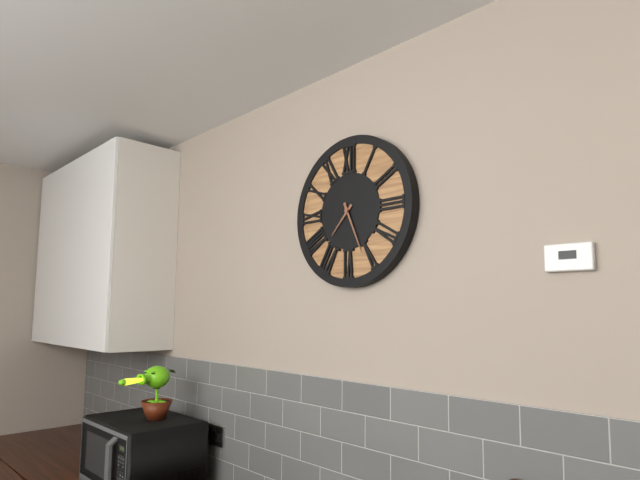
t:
7h26
